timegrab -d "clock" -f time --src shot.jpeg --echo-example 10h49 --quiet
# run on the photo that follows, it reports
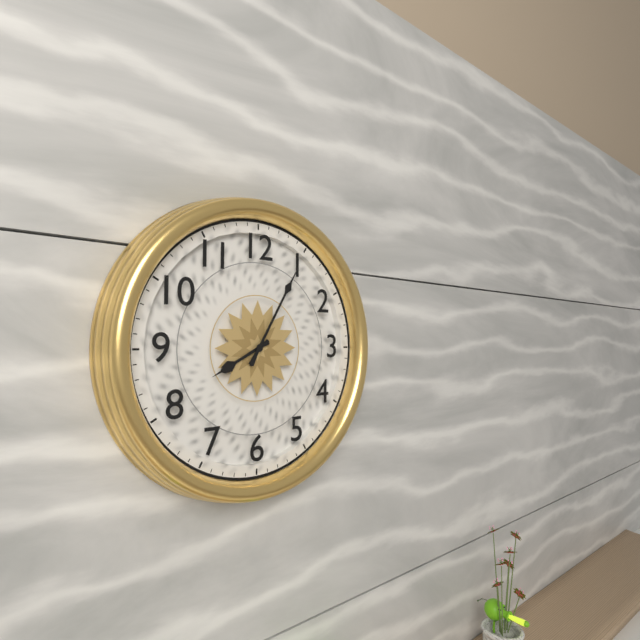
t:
8h05
